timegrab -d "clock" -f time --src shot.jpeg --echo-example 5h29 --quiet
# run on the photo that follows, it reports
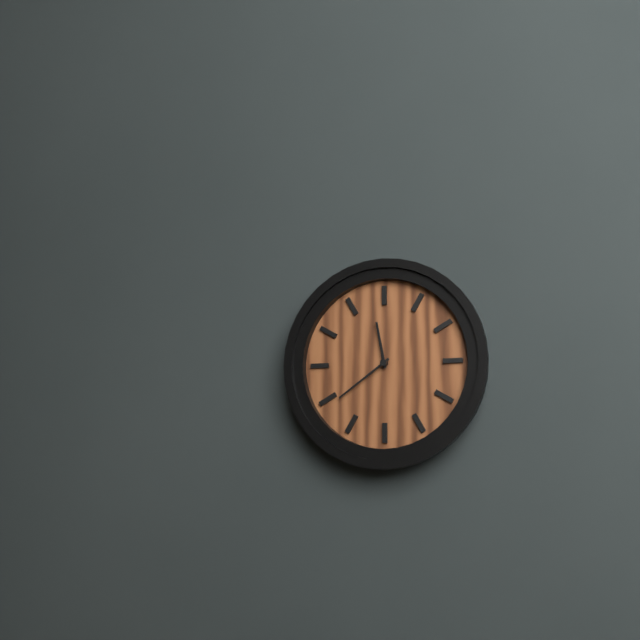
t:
11h39
